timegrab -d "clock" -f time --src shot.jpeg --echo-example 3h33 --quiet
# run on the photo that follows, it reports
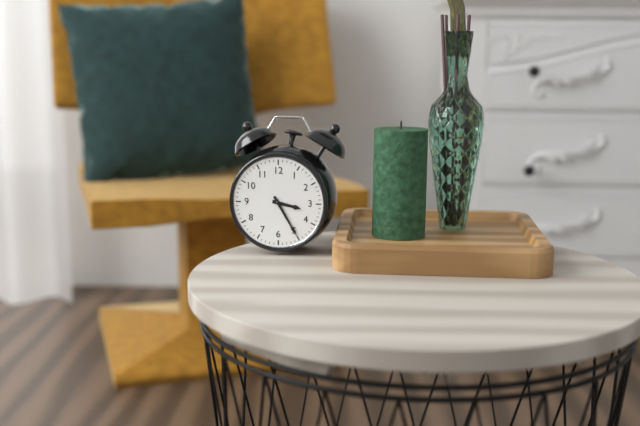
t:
3h25
